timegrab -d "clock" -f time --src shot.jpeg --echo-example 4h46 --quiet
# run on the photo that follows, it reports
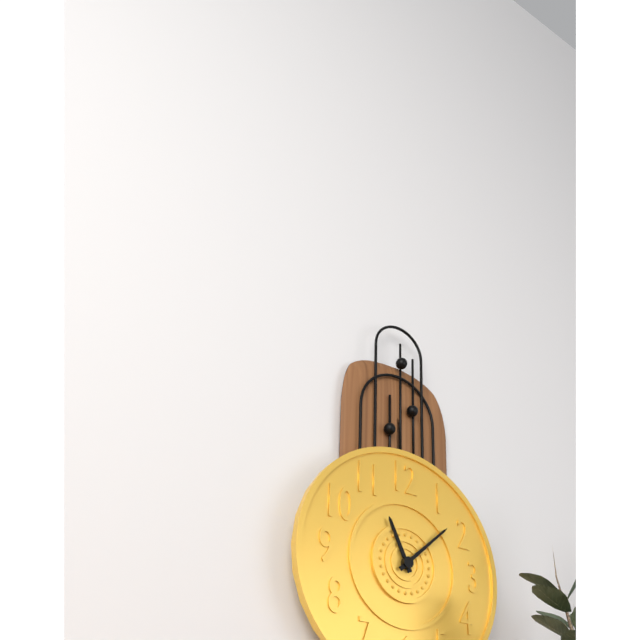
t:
11h08
